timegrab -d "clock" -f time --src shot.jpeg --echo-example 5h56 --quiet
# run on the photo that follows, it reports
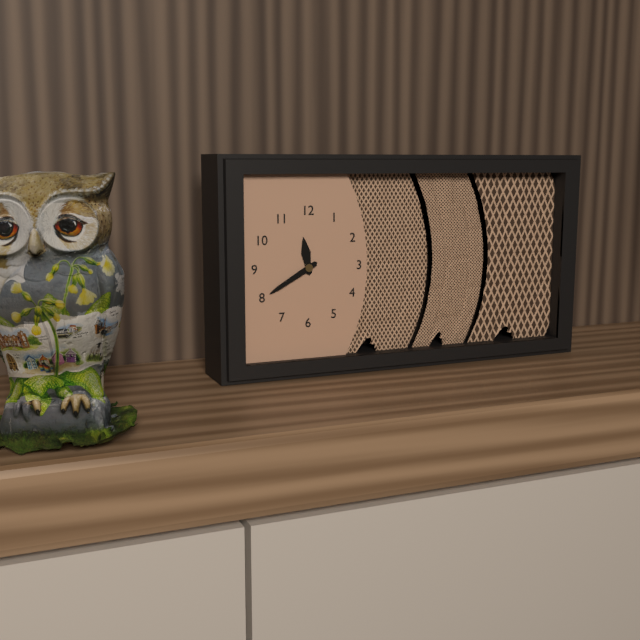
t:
11h40
